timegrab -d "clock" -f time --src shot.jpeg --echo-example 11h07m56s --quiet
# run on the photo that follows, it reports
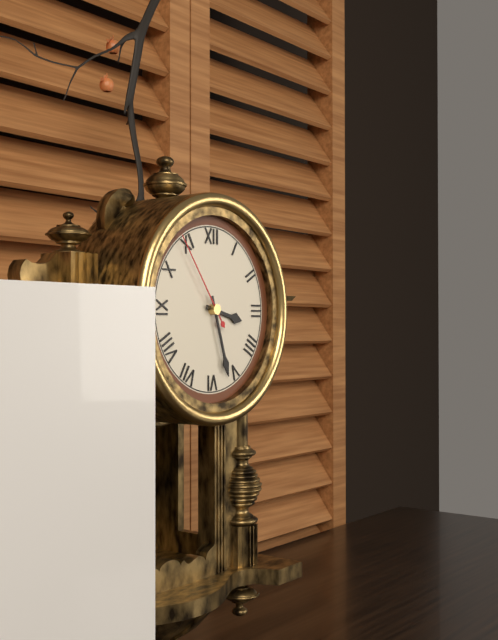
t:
3h27m54s
